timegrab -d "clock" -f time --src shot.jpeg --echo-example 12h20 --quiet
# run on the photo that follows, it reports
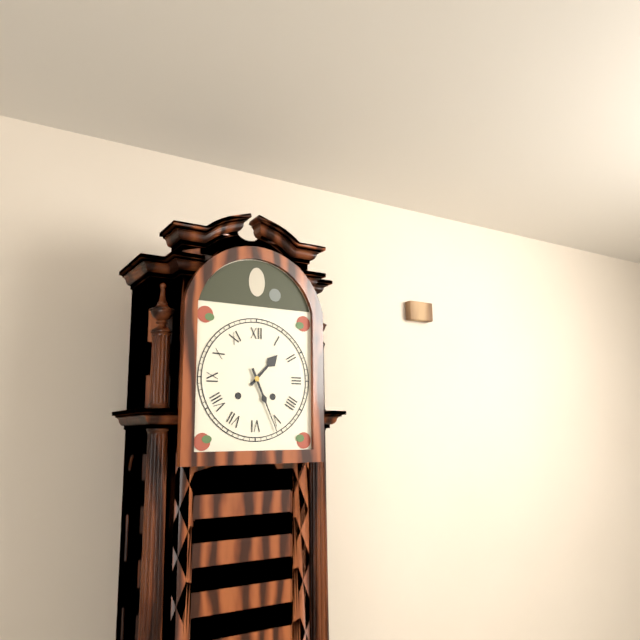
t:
1h26
